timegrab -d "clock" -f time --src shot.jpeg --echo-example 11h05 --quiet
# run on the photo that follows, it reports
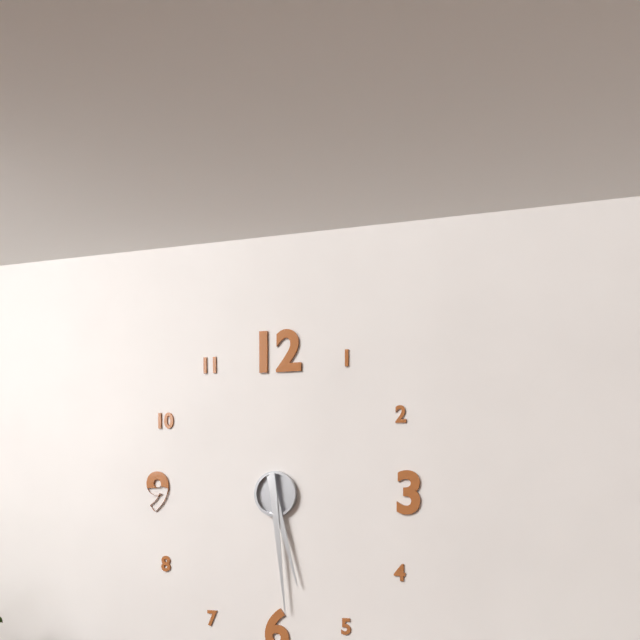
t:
5h29
